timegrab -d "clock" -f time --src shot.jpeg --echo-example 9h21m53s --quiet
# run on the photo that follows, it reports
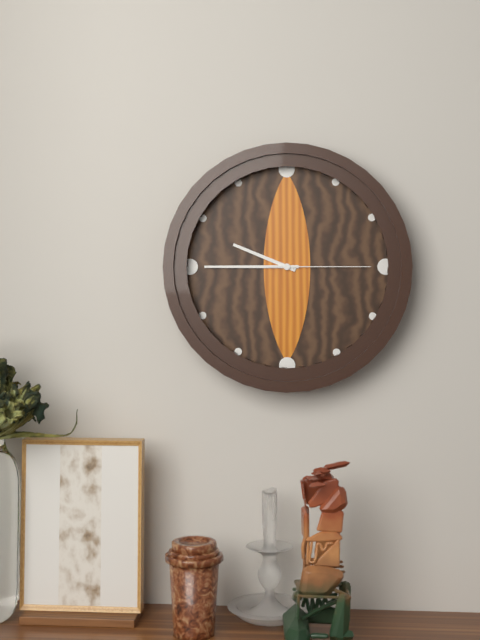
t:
9h45m15s
